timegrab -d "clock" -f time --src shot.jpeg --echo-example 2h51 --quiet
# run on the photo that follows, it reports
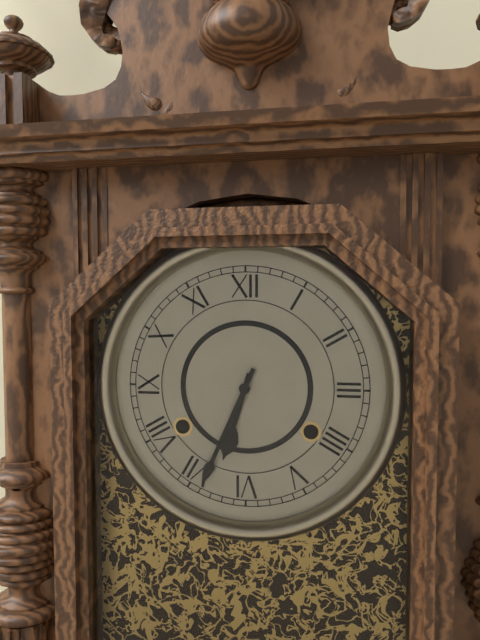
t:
6h34
